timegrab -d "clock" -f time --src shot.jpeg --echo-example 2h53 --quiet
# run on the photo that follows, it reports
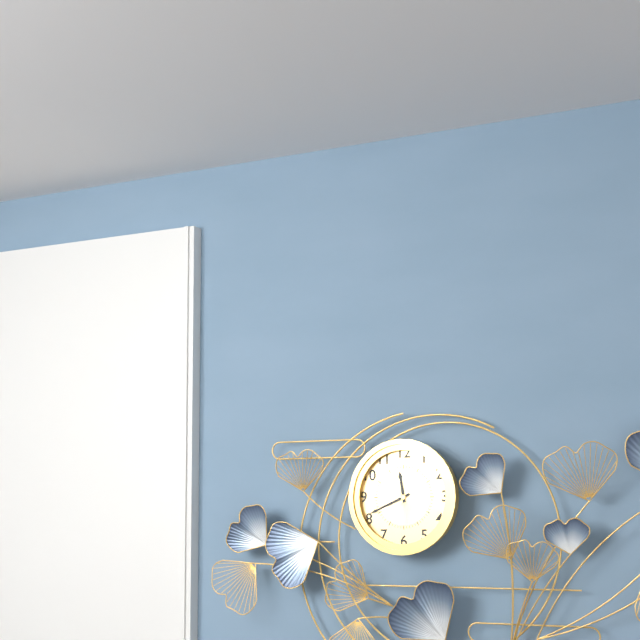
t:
11h41
